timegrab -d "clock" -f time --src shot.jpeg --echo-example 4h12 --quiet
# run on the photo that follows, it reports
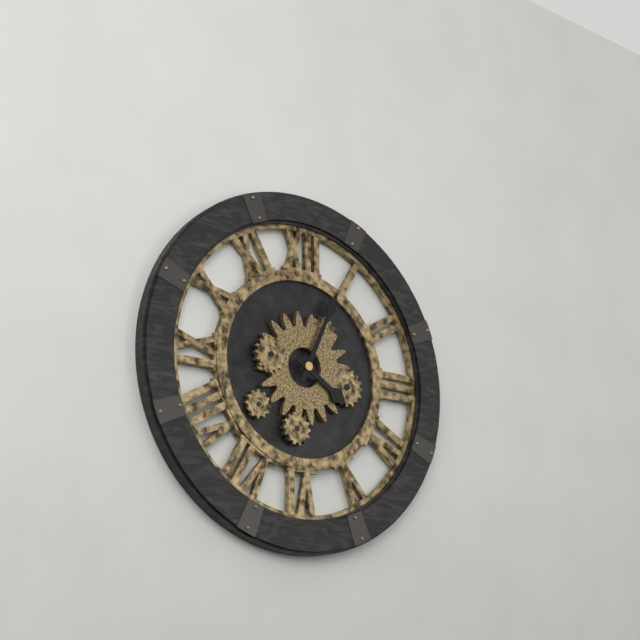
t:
4h04
